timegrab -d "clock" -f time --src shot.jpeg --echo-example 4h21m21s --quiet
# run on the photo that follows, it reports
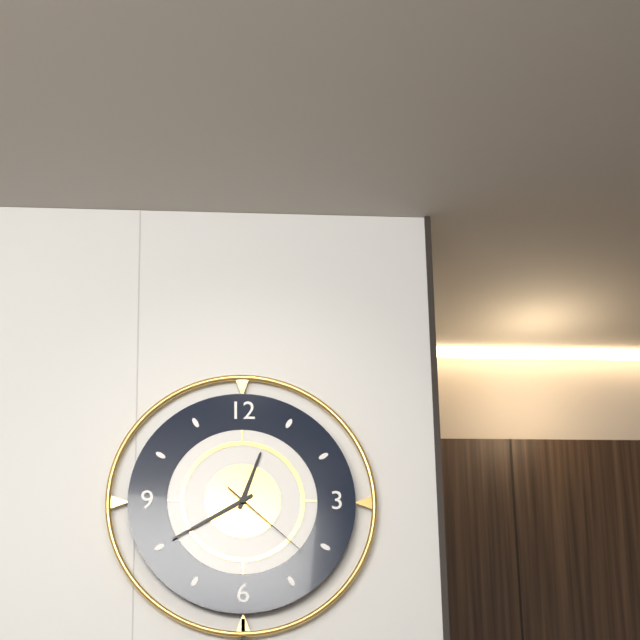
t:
12h40m22s
